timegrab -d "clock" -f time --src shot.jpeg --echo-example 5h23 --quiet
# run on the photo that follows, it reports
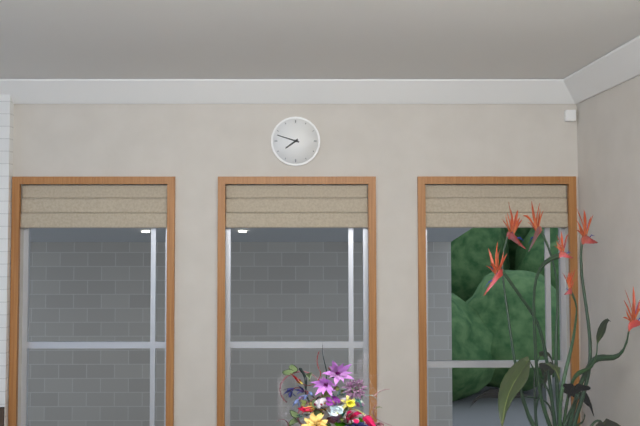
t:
7h48
